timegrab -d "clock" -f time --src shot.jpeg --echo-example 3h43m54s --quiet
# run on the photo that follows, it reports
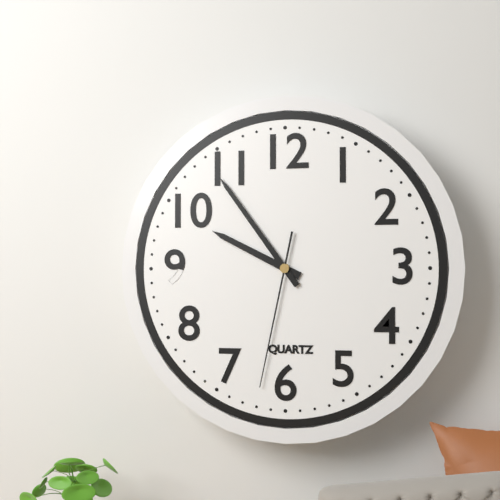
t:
9h54m32s
